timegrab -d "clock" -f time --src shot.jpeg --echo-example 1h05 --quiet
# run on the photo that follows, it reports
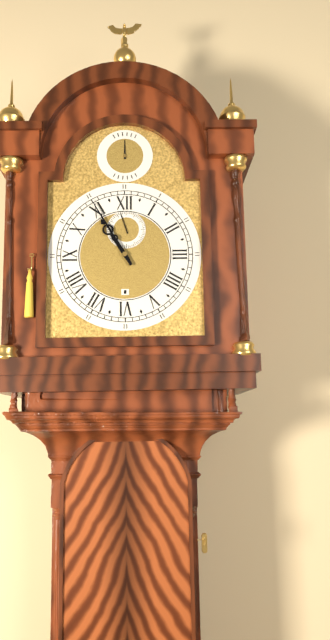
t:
10h55
